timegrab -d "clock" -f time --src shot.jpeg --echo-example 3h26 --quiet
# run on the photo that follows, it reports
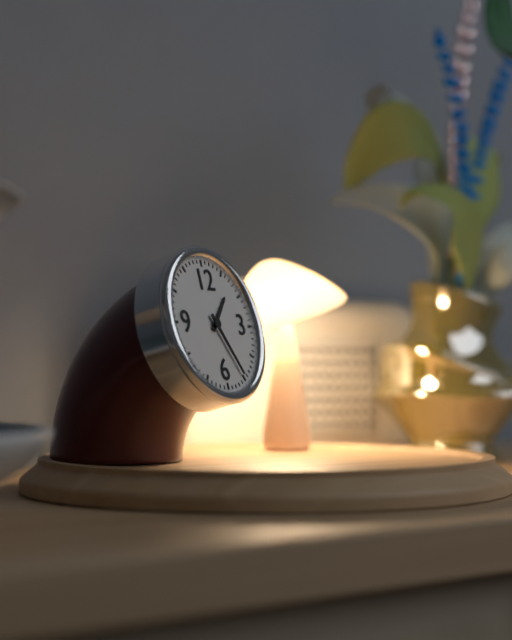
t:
1h25
